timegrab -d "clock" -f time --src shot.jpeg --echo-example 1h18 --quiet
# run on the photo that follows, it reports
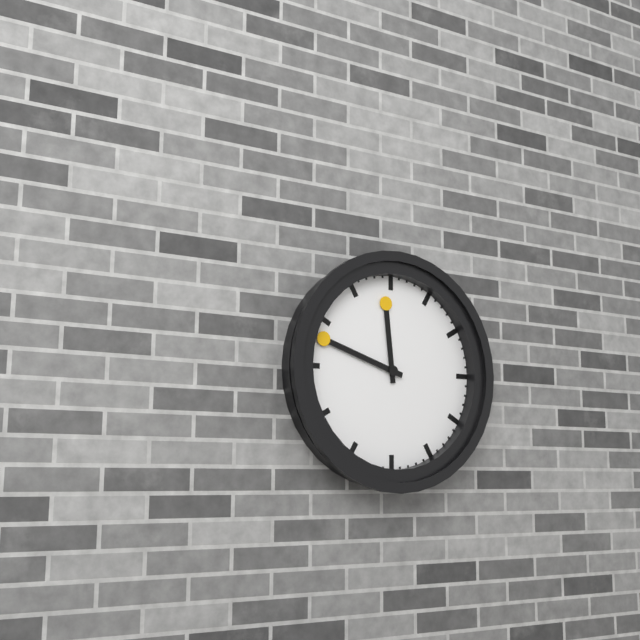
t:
11h48
